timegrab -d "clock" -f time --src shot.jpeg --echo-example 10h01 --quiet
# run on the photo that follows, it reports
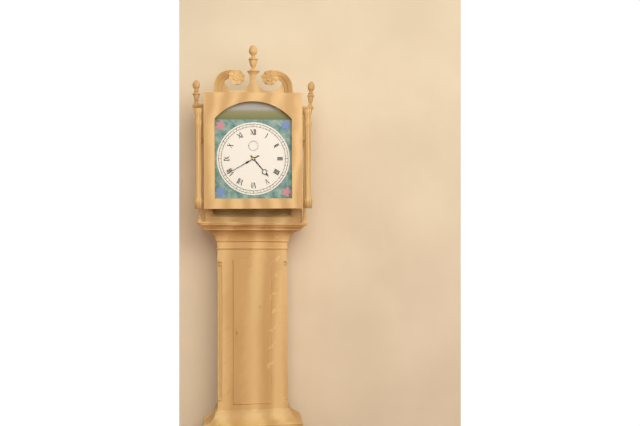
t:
4h40
